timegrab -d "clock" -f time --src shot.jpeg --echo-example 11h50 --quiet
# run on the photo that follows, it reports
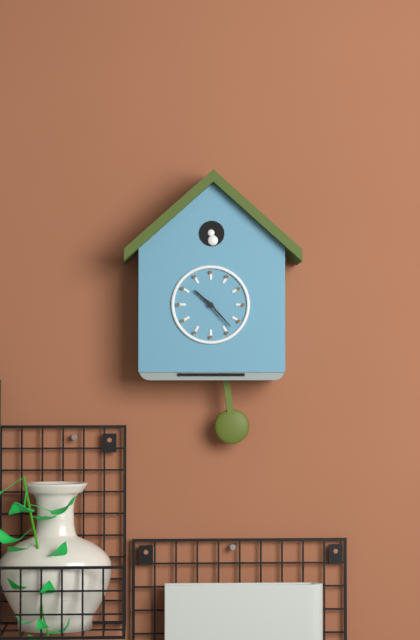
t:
10h23
